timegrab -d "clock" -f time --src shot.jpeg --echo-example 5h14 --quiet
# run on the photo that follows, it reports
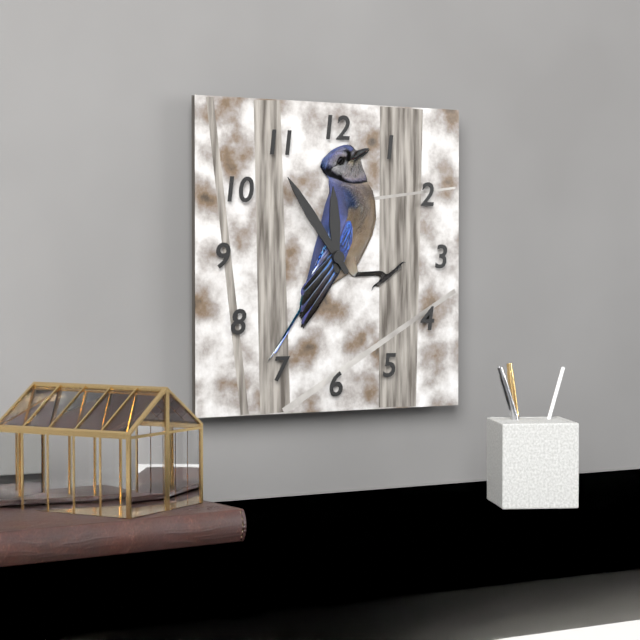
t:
11h54
